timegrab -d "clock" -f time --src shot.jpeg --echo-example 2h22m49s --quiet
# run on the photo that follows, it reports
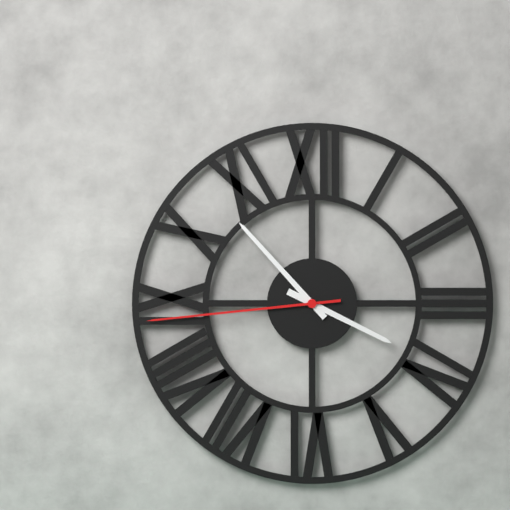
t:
3h53m44s
